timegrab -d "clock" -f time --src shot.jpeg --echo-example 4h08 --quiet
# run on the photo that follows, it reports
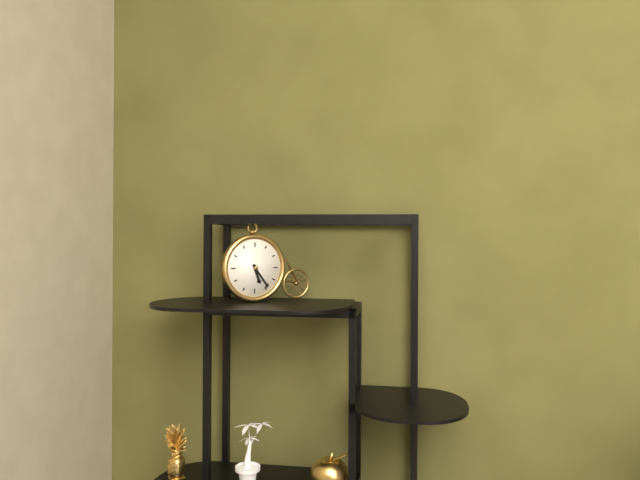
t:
5h24
